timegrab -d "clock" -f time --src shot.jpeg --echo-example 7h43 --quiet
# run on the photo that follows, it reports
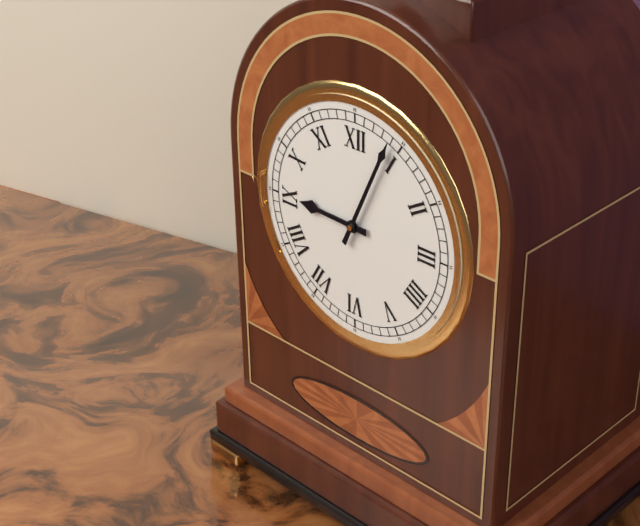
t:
9h04
